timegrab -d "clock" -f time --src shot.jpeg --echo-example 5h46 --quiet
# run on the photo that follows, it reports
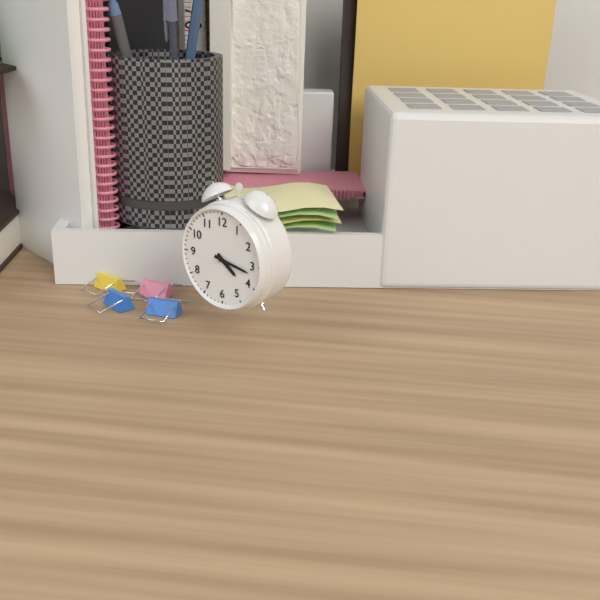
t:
4h17
